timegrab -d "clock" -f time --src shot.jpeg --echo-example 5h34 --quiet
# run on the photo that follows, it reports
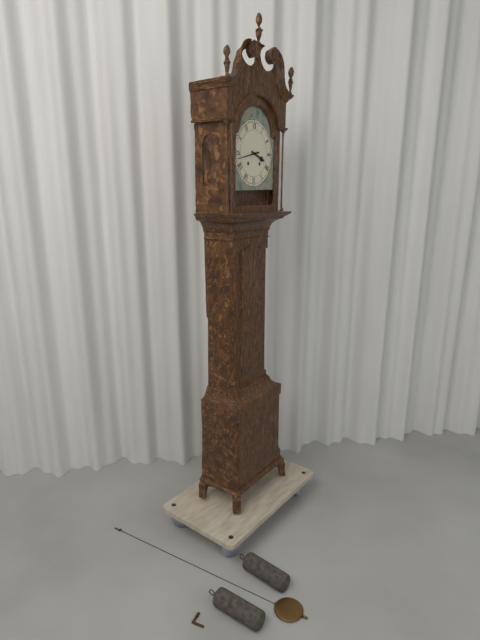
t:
3h43
